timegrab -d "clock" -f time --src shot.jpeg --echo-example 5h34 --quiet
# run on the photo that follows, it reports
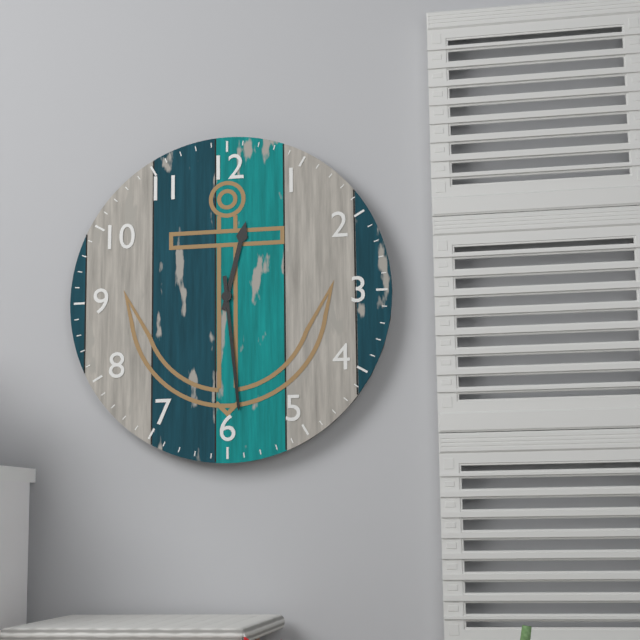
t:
12h29
